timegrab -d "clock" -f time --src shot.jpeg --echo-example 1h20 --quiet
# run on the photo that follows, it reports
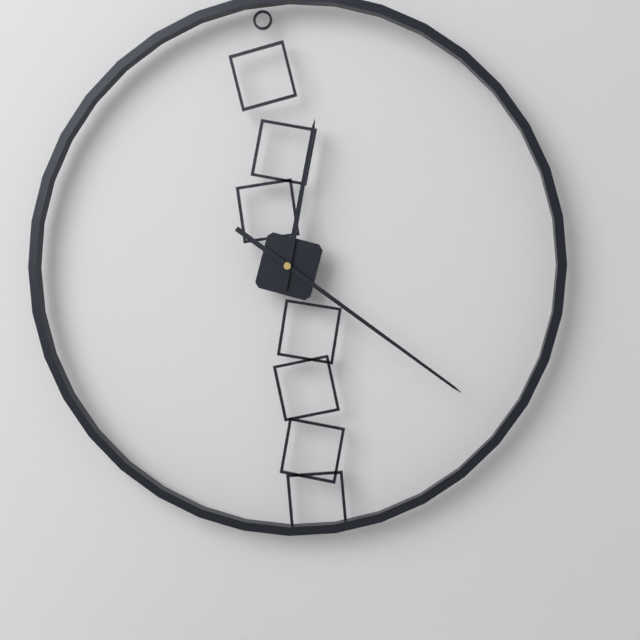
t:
12h21
